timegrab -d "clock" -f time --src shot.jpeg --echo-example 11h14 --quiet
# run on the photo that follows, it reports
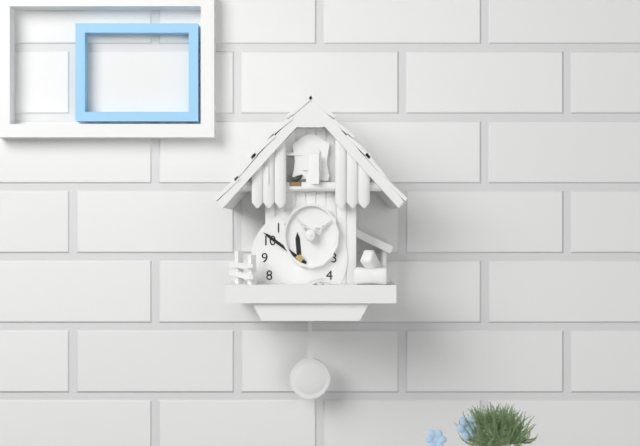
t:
11h51
